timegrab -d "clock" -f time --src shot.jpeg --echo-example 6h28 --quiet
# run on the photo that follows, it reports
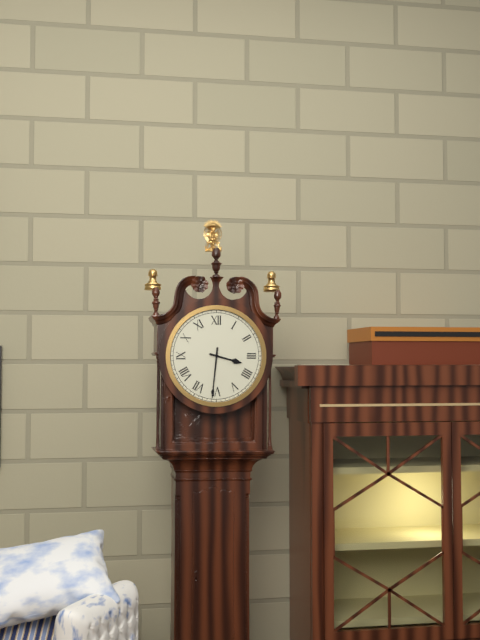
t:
3h31
